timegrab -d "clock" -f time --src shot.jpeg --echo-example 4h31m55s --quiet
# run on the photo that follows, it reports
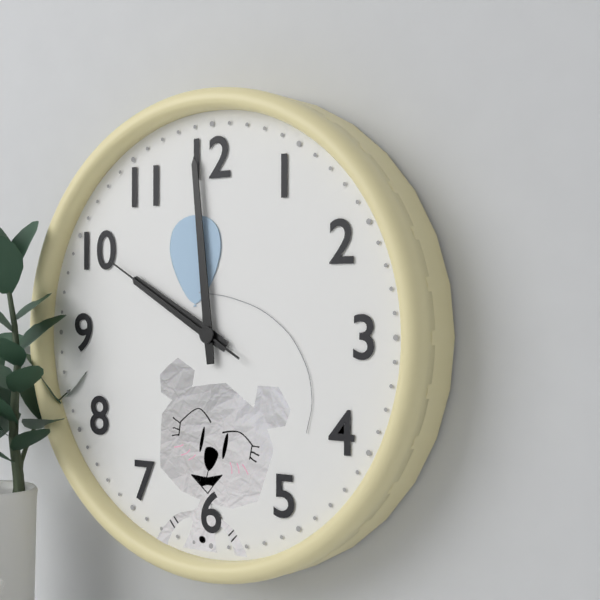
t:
9h59m50s
